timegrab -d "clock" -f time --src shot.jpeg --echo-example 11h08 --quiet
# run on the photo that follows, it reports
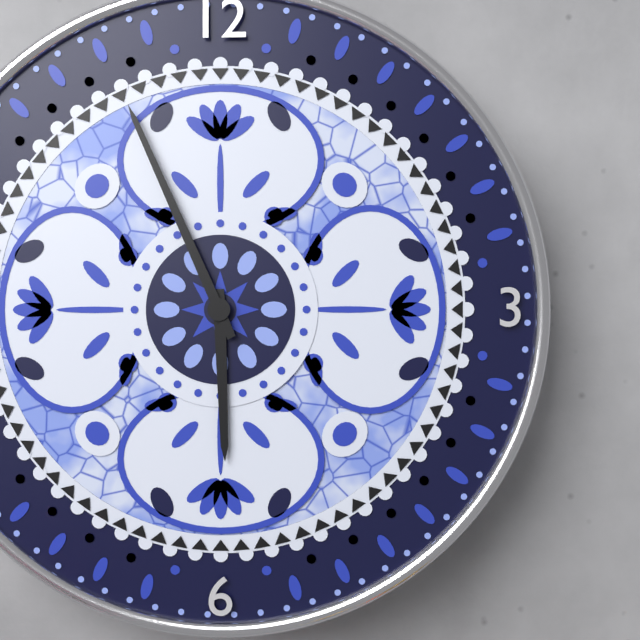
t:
5h56
